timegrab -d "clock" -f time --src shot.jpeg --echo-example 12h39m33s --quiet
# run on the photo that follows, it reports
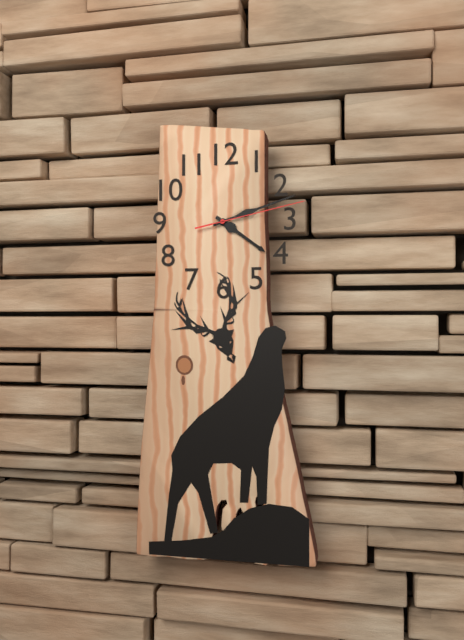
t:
4h12m13s
